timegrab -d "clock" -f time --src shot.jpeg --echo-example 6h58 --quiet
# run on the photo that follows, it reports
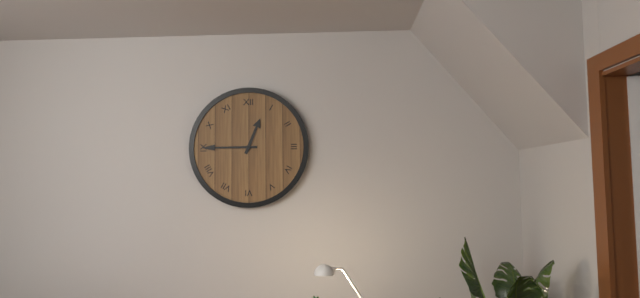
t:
12h45
